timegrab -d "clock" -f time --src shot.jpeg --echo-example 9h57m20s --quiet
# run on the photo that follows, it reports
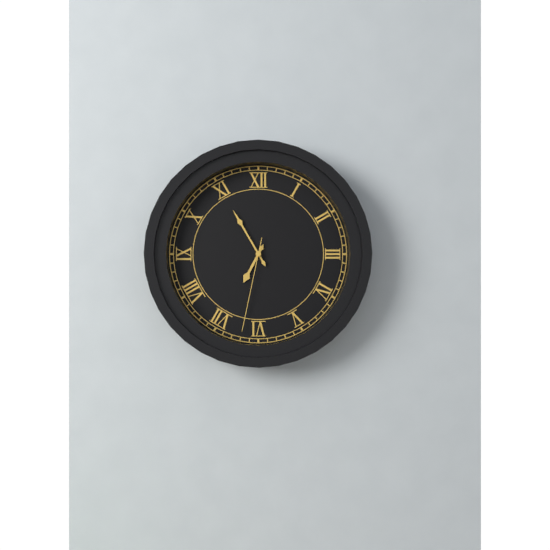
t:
6h55m32s
